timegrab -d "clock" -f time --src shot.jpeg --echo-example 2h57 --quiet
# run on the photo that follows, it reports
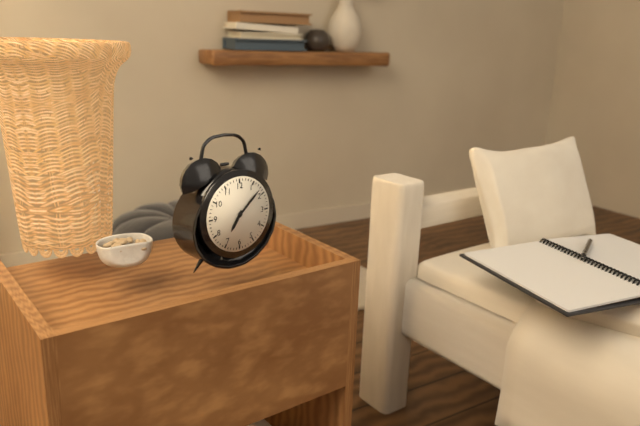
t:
7h08
